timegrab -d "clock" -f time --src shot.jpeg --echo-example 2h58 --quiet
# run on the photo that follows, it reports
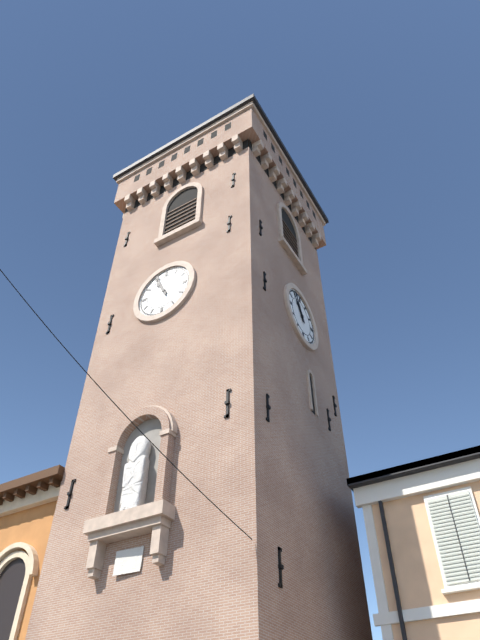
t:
10h56
